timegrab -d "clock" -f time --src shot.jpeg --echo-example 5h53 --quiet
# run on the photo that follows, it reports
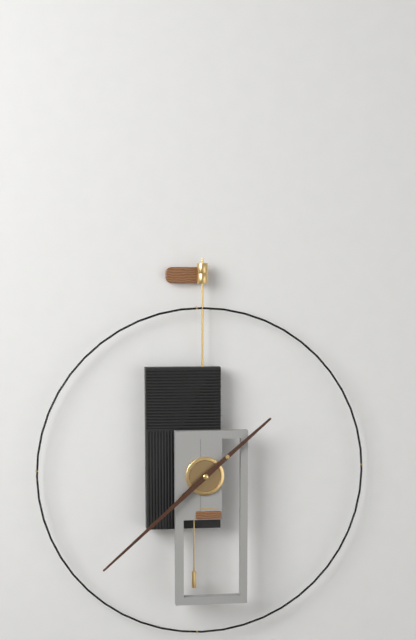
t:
1h38
